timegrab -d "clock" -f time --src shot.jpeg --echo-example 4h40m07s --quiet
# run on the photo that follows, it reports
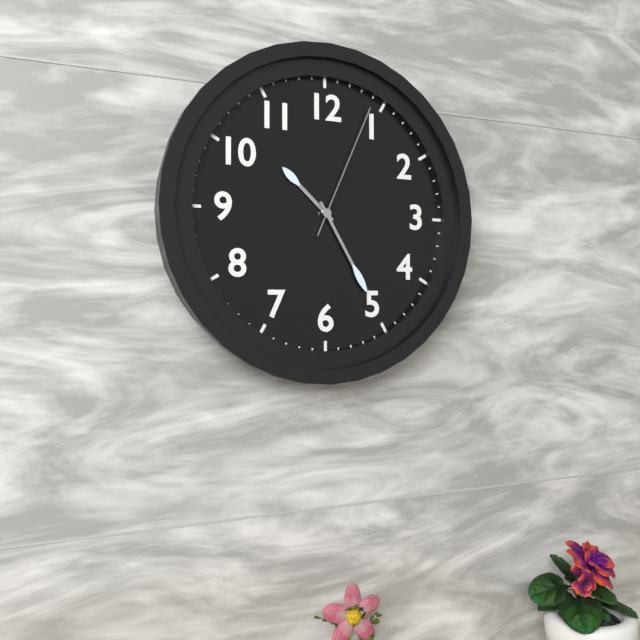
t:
10h25m04s
